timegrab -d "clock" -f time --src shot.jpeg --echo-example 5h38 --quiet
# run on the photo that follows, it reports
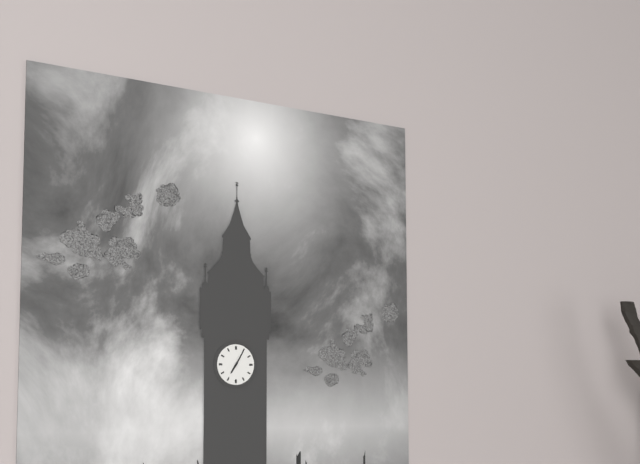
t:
7h05
